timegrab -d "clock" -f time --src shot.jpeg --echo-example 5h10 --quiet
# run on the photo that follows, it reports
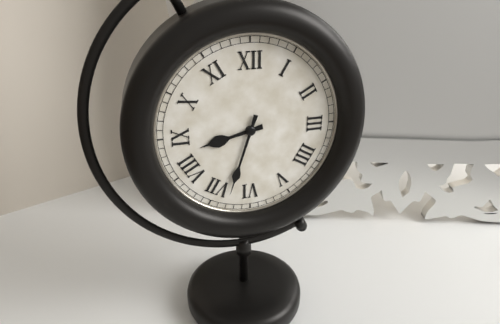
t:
8h33
